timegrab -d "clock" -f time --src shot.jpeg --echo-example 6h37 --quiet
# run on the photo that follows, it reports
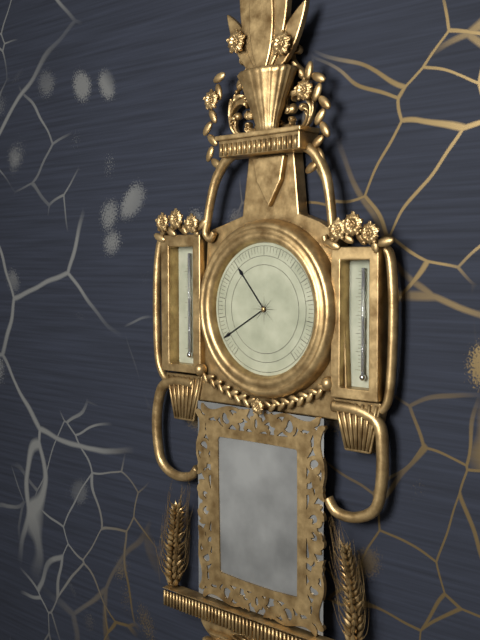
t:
10h40
